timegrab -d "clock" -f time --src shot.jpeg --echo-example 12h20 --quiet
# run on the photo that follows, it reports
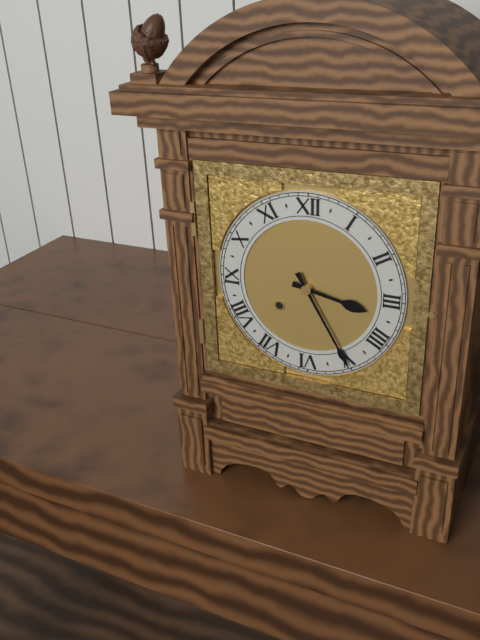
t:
3h25
